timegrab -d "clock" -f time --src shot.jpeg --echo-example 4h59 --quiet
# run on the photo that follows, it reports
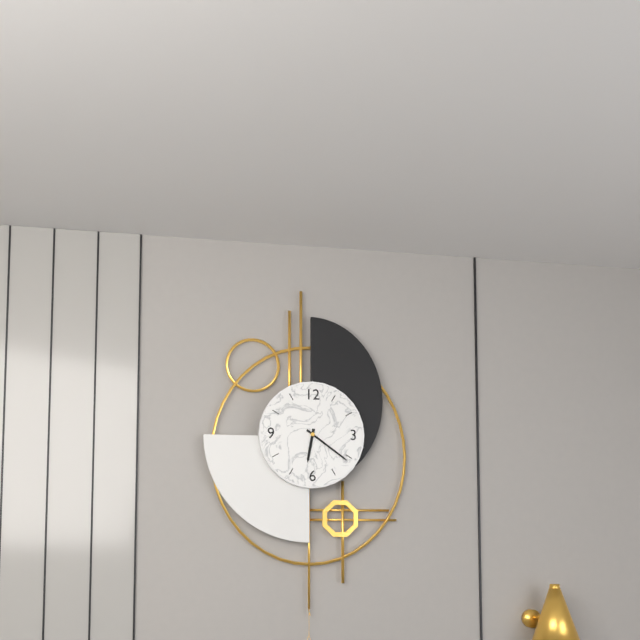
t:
6h21
